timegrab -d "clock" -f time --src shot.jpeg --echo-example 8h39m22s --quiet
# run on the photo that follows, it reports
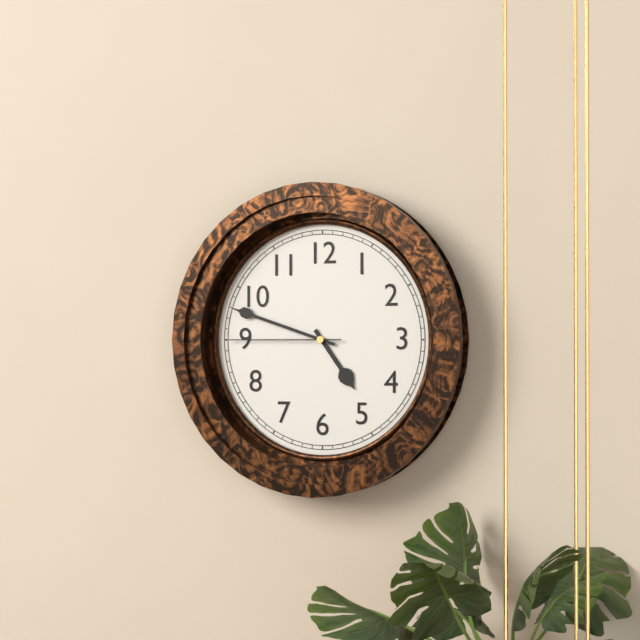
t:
4h48m45s
